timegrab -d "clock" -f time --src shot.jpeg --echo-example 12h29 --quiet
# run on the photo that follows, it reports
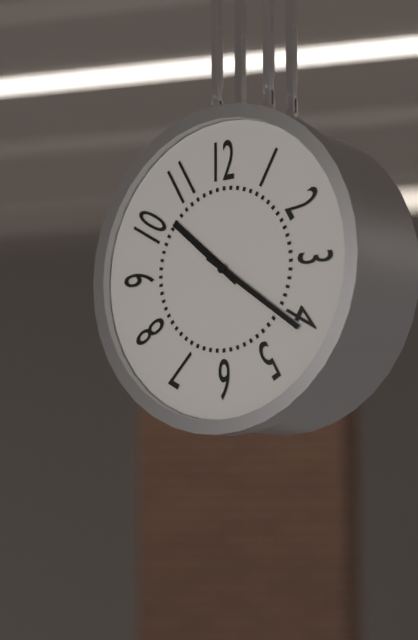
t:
10h21
